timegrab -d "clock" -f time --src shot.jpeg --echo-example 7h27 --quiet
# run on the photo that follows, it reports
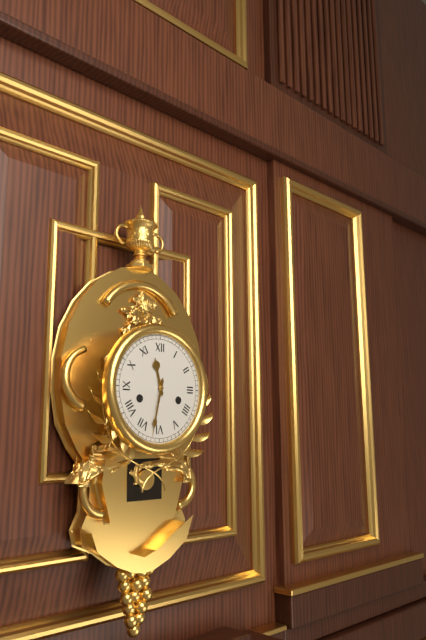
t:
11h32
